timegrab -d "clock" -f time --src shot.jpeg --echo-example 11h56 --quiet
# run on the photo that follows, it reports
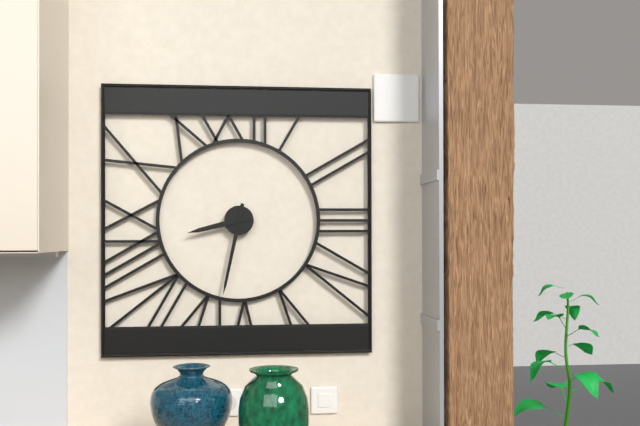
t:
8h32
